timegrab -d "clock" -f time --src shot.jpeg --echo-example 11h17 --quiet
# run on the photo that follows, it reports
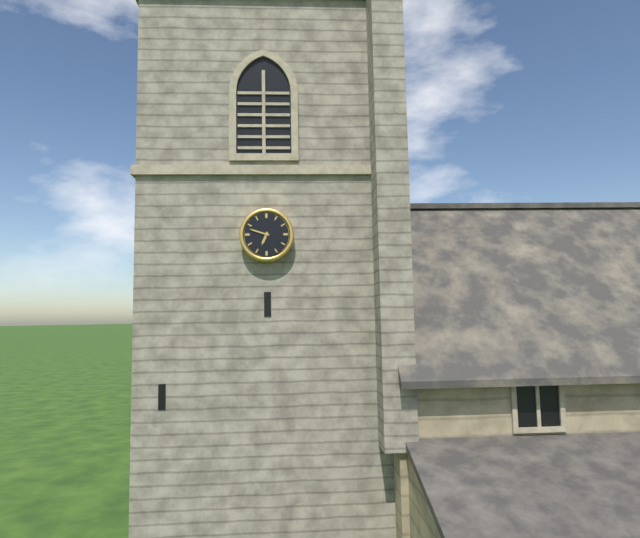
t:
6h48
